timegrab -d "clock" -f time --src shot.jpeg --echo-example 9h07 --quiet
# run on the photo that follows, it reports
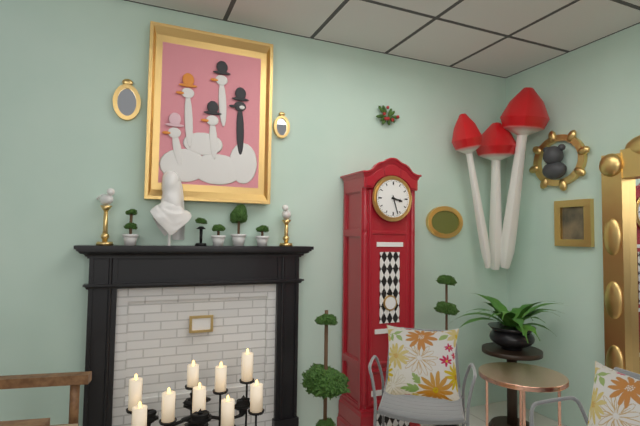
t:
3h27
